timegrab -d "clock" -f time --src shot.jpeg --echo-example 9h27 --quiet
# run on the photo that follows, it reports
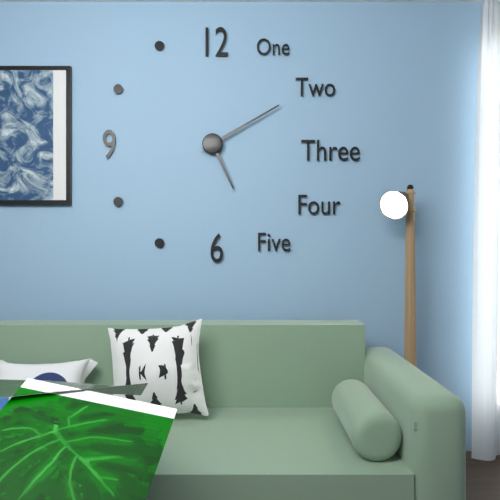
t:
5h10
